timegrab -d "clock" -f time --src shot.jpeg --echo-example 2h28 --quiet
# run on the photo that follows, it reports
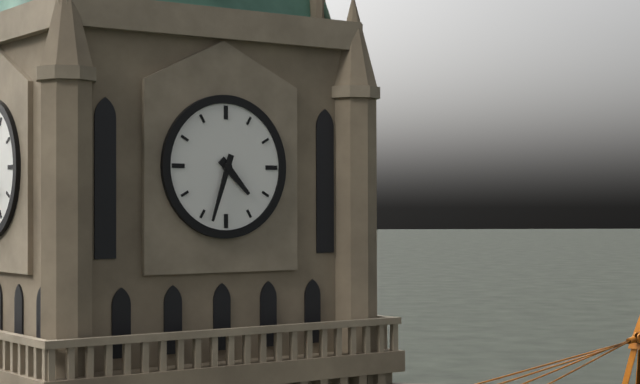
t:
4h33
